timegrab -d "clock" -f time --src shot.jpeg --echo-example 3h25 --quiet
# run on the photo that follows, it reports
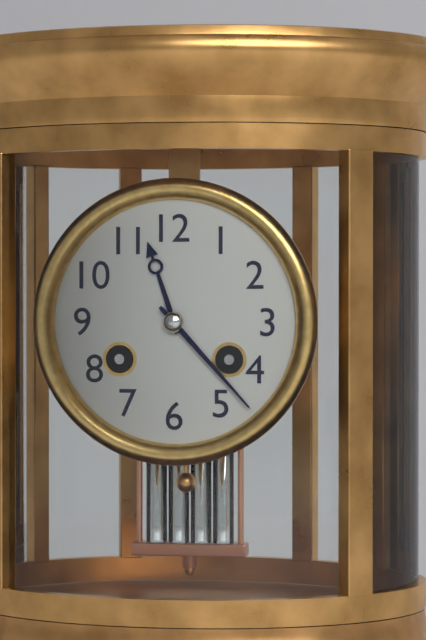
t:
11h23
